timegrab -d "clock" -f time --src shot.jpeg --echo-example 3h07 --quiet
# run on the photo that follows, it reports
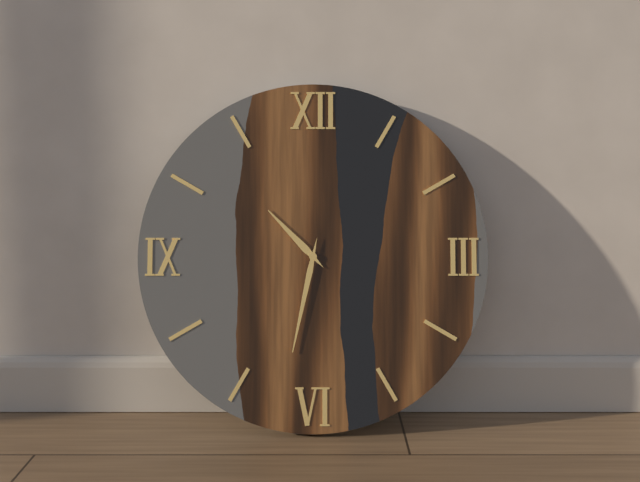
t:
10h32
